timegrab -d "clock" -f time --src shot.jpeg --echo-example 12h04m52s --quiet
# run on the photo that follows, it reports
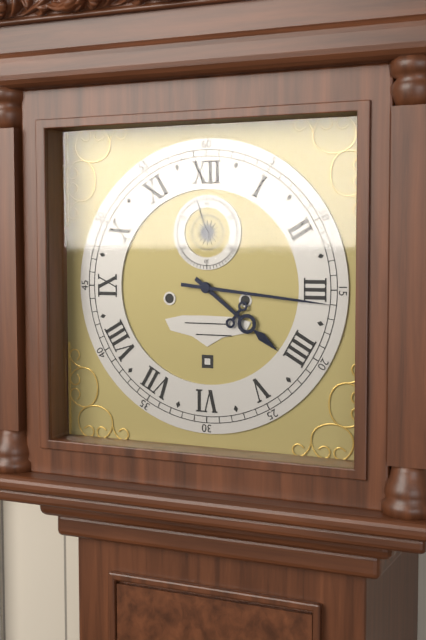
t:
4h16m57s
